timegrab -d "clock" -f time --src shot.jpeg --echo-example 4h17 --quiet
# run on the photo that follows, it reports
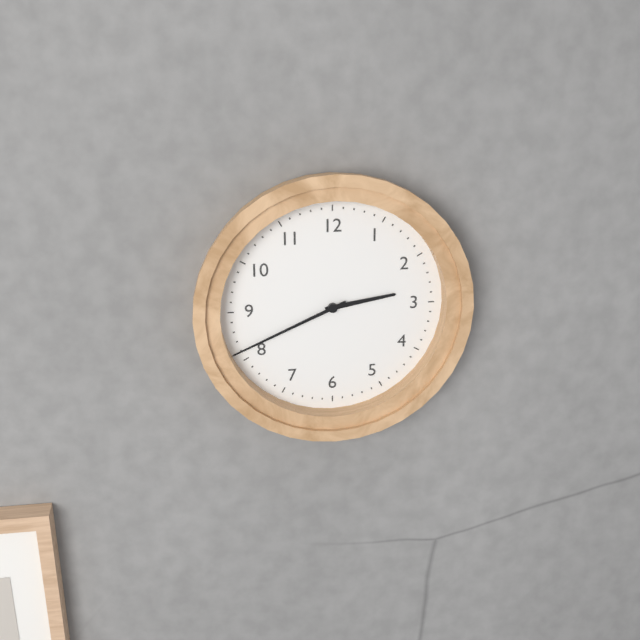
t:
2h41
